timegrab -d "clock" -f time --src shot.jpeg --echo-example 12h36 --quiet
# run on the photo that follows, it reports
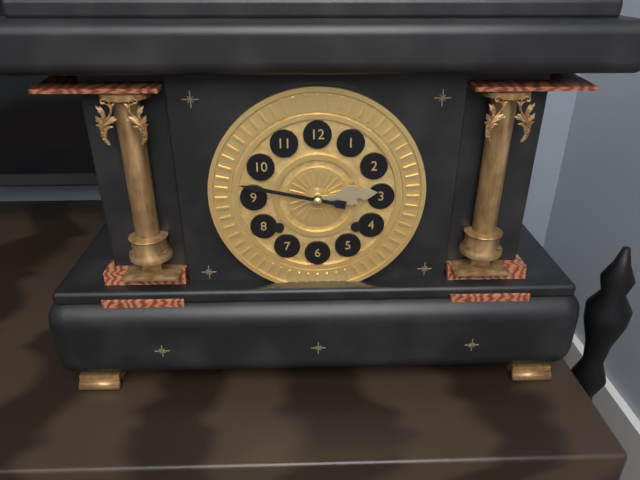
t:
2h47
